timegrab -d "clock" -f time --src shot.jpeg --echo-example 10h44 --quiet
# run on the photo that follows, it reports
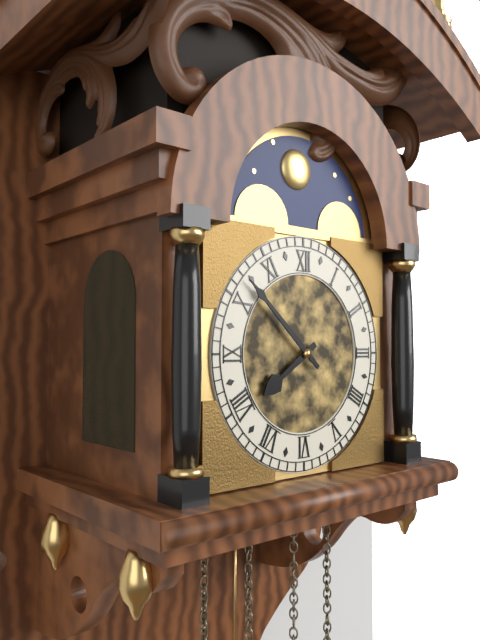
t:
7h52
